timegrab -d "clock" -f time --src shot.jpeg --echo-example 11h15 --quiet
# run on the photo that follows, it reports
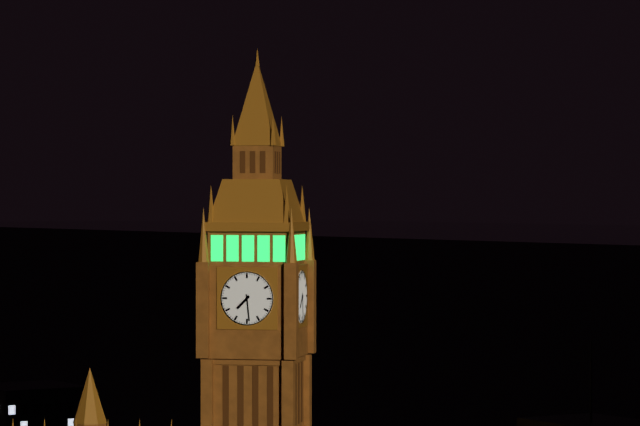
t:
7h29
